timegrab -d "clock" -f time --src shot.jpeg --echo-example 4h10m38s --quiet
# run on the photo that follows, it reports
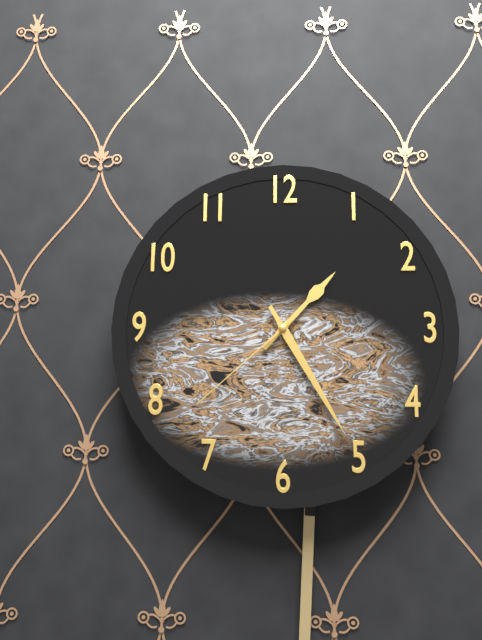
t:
1h25m38s
